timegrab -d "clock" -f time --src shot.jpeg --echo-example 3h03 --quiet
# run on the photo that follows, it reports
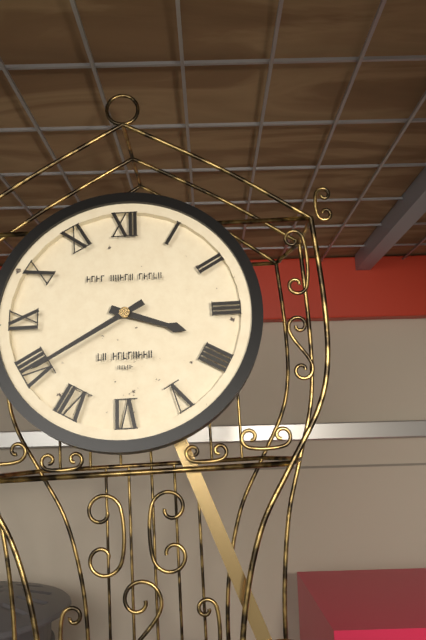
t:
3h40
